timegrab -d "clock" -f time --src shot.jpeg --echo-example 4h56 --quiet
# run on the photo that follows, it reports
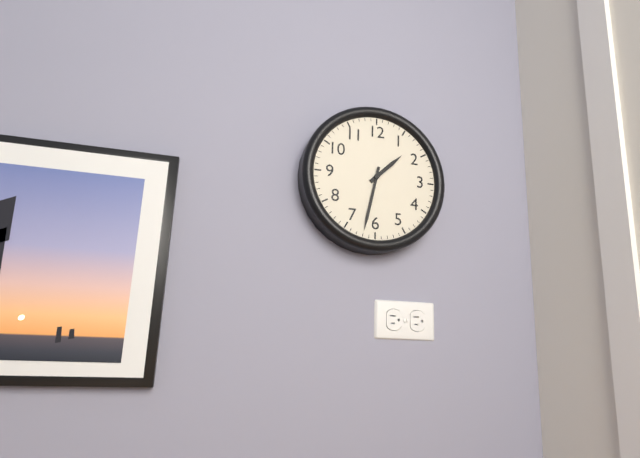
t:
1h32
